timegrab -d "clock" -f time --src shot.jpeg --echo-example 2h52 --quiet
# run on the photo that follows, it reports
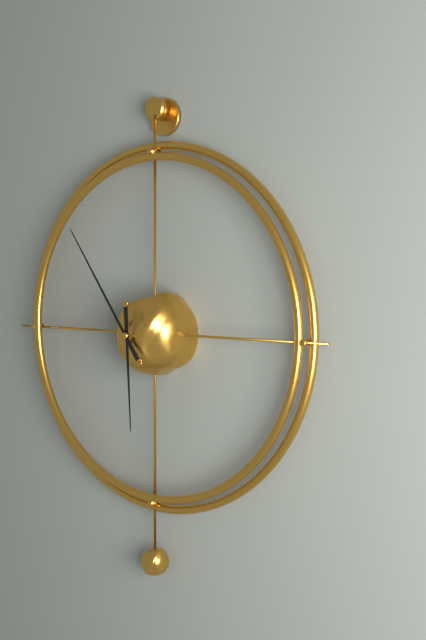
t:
5h54
